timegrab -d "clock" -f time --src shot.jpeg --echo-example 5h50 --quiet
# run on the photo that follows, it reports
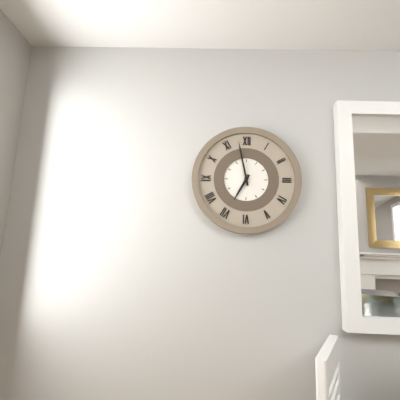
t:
6h58
